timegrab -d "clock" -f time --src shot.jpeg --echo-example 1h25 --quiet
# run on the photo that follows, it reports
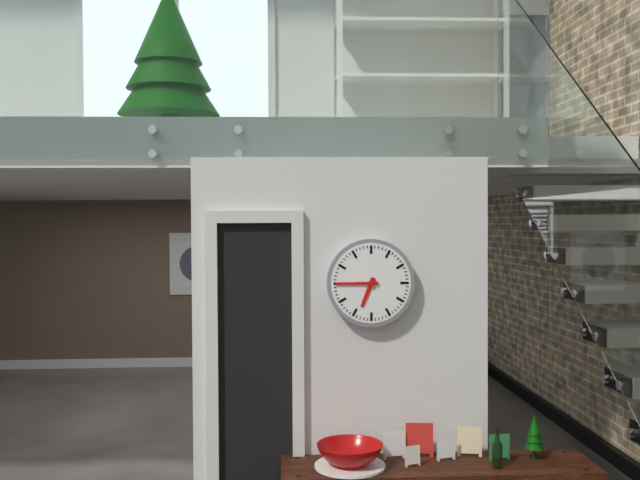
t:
6h45
